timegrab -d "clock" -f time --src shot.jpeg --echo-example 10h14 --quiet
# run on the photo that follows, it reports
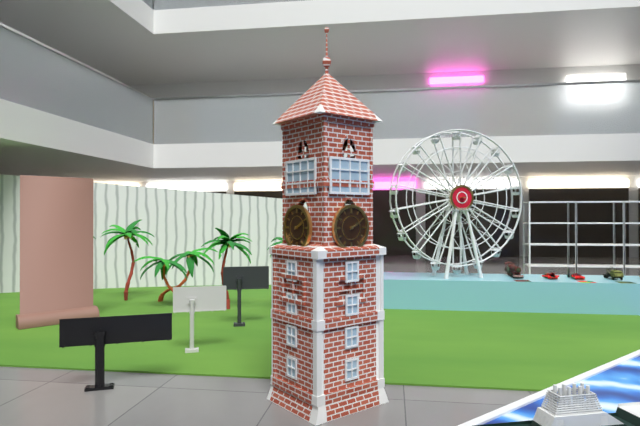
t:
2h10
